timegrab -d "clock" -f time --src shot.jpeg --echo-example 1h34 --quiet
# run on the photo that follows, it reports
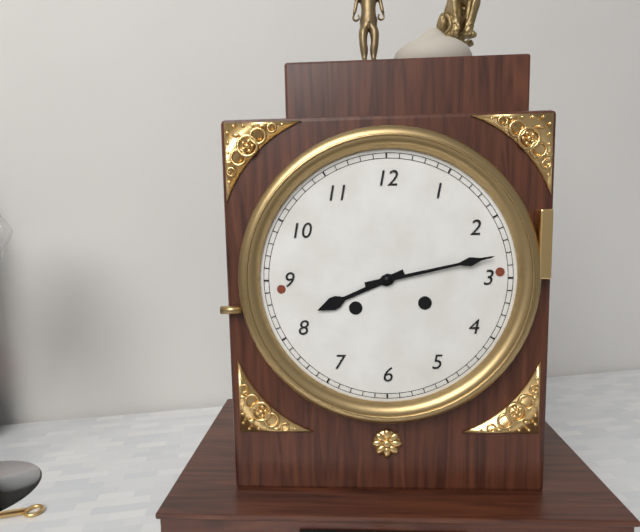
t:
8h13
